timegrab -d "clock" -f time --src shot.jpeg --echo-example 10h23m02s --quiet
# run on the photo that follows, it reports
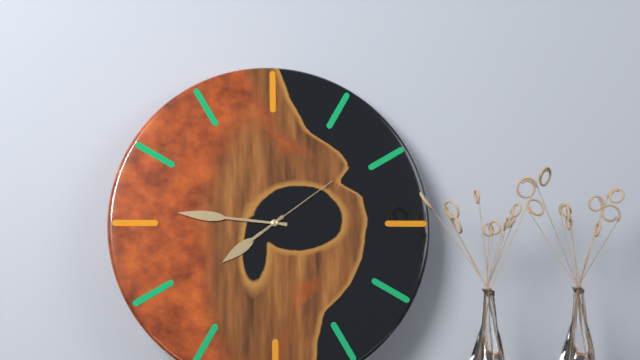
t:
7h46m09s
